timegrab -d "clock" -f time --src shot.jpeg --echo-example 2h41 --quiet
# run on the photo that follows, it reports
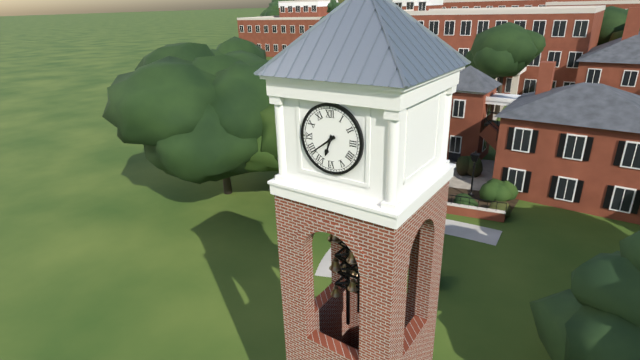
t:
6h39
